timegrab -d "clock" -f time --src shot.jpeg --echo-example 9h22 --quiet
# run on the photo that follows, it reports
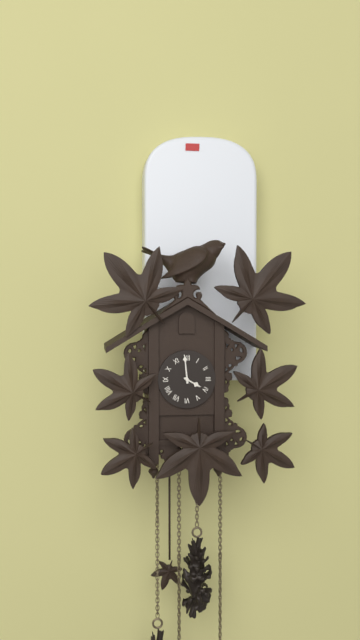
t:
3h59
